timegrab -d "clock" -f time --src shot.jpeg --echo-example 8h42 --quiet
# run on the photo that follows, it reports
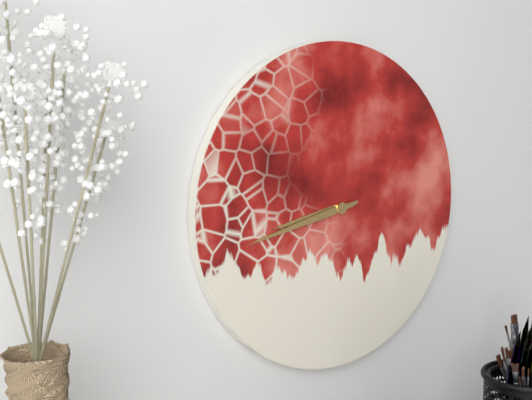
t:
8h43
